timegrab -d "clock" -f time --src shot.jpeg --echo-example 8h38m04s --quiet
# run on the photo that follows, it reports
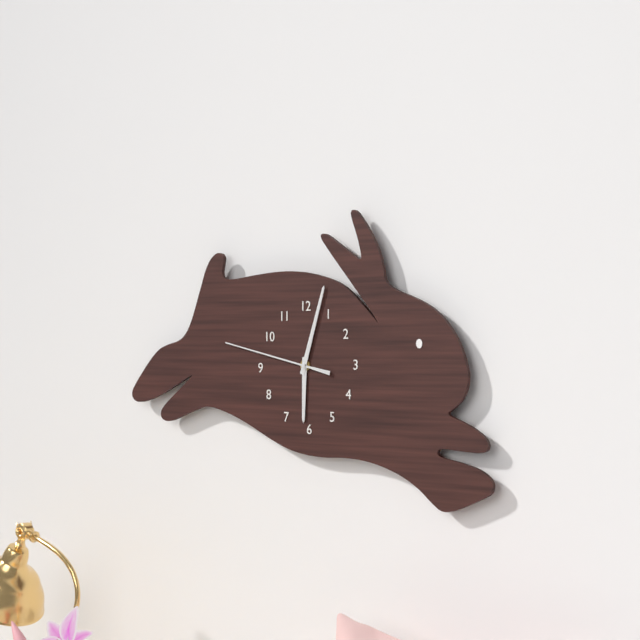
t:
6h03m47s
